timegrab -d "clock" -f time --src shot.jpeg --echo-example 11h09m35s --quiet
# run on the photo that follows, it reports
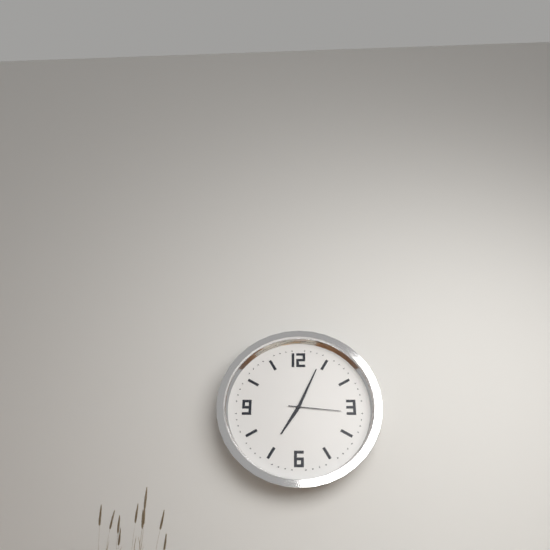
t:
7h04m16s
